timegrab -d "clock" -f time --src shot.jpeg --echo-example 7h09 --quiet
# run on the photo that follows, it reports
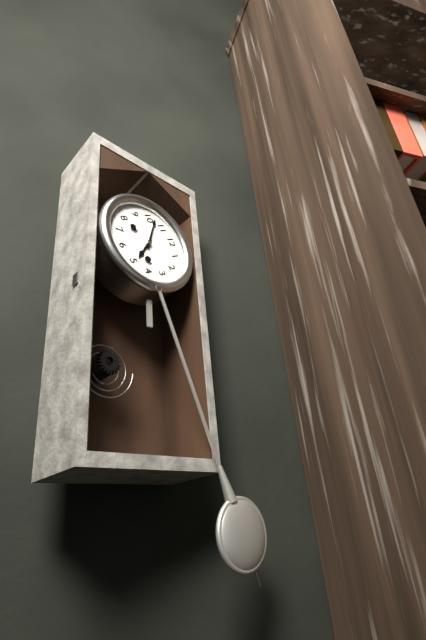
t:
4h52
